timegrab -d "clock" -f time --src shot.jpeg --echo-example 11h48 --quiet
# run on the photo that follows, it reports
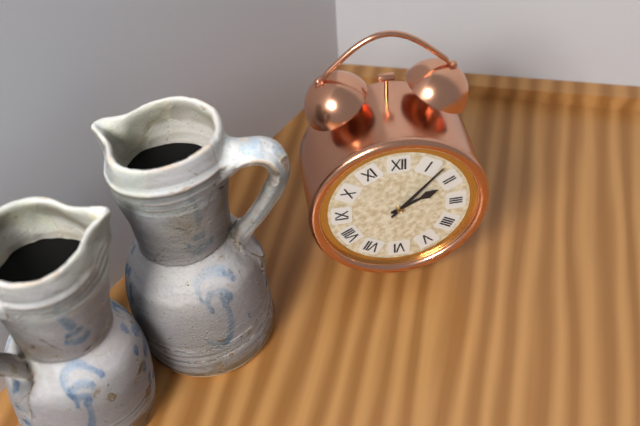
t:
2h07
